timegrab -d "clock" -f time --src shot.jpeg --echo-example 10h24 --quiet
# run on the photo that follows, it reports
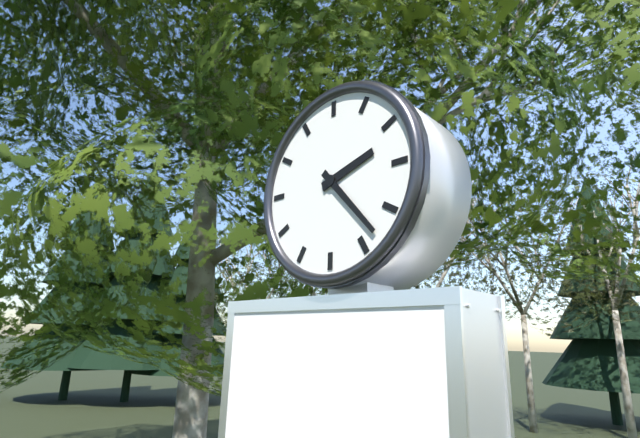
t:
2h23
